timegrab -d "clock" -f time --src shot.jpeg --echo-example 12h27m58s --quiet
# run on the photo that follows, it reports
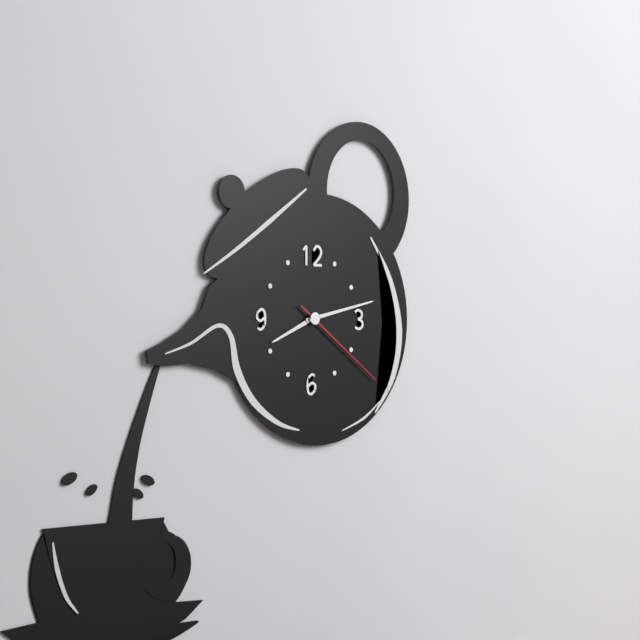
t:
8h13m21s
